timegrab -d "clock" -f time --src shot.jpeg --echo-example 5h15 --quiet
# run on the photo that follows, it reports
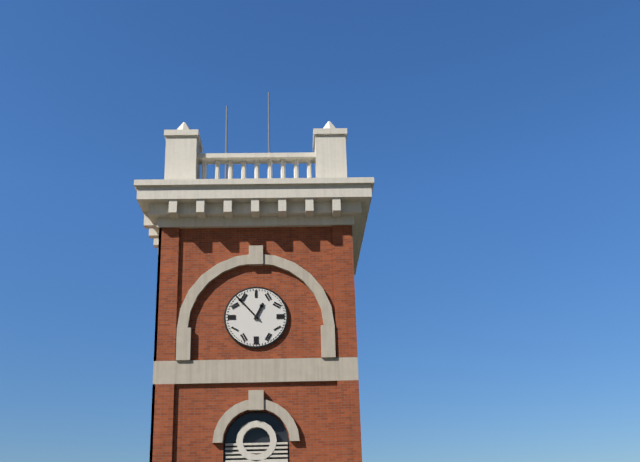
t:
12h53
